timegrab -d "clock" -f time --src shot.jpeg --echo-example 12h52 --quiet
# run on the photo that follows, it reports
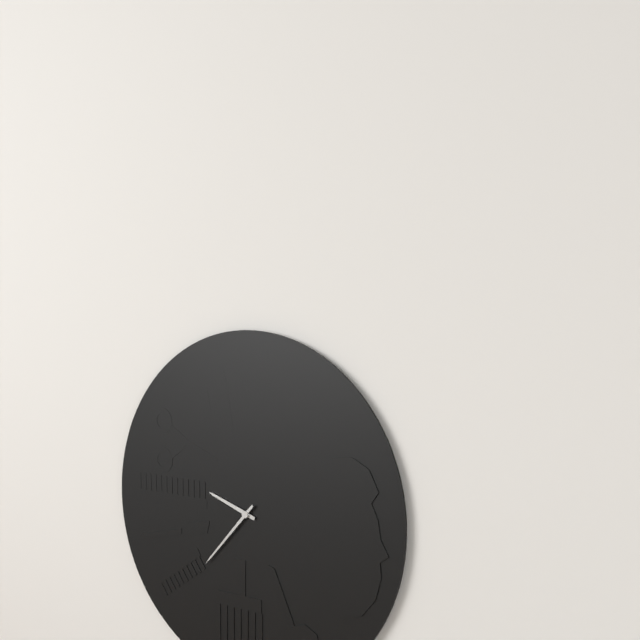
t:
9h37
